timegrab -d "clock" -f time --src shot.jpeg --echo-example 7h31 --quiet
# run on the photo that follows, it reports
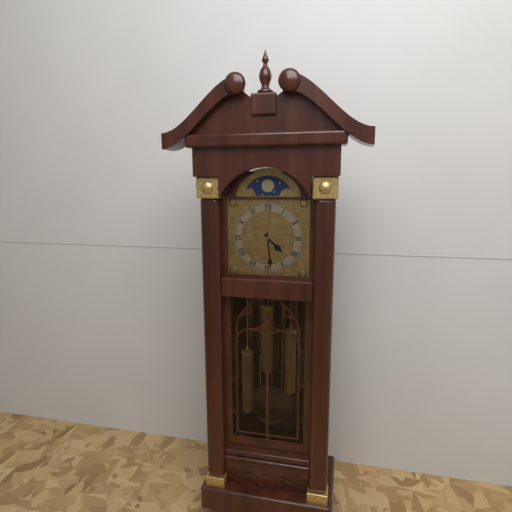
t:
4h29
